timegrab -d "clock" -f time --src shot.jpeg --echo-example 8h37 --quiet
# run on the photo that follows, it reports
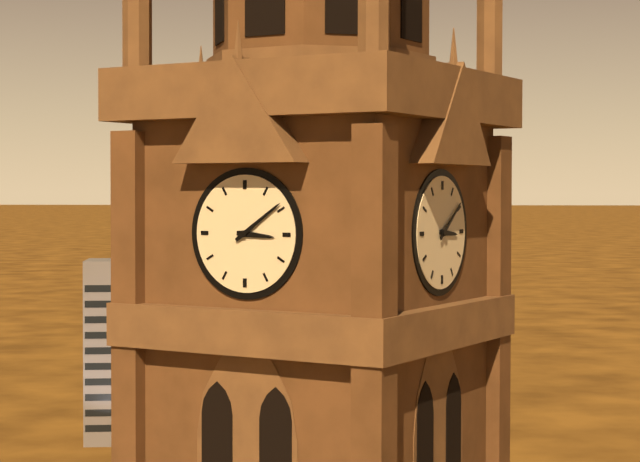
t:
3h09
